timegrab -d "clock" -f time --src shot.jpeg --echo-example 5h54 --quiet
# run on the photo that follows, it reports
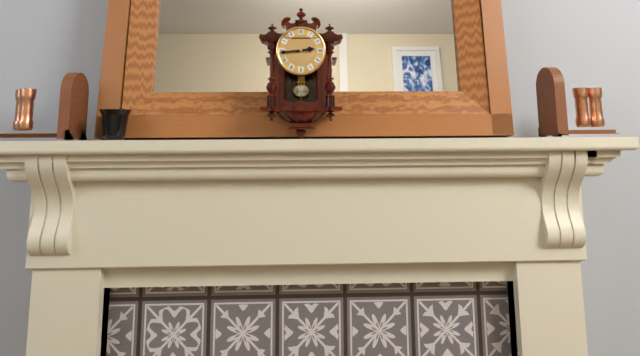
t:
2h44
